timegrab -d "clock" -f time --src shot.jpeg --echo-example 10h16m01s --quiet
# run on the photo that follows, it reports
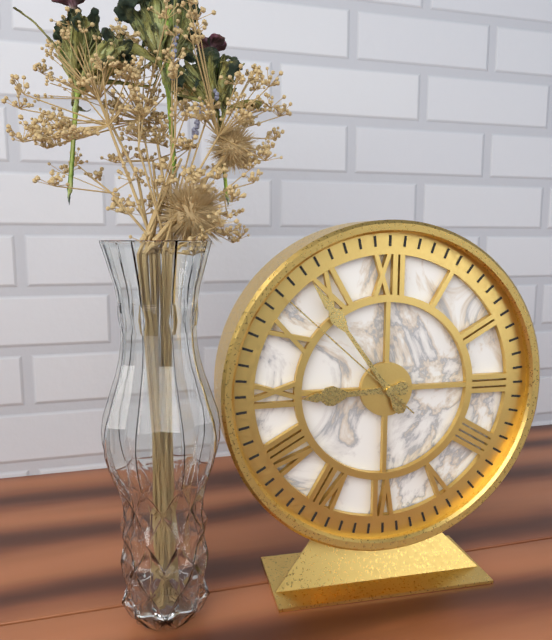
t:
8h54m52s
